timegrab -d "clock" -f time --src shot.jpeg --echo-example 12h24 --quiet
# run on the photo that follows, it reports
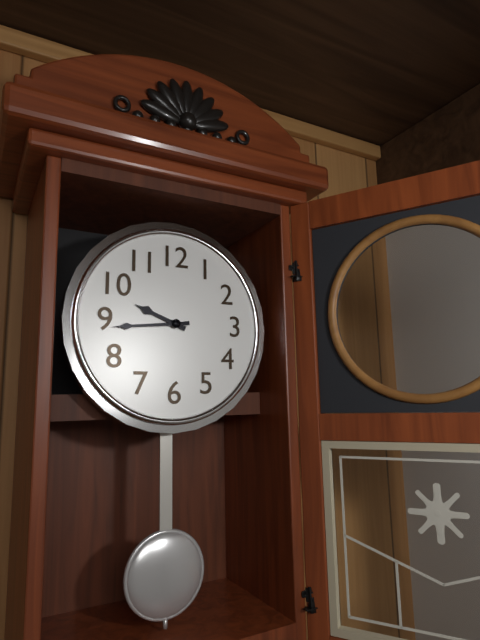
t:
9h44
